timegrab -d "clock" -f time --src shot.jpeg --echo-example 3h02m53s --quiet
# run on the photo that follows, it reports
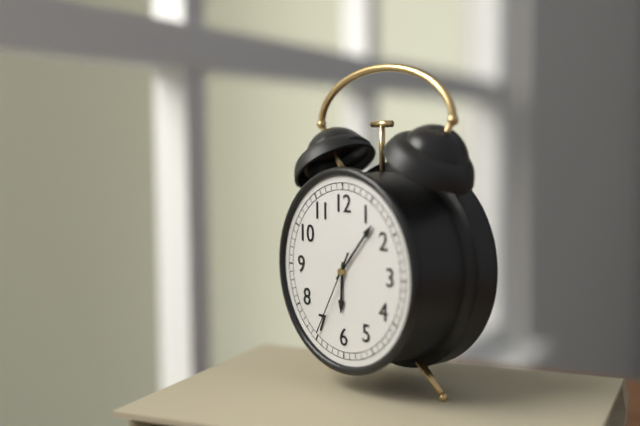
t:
6h07m35s
